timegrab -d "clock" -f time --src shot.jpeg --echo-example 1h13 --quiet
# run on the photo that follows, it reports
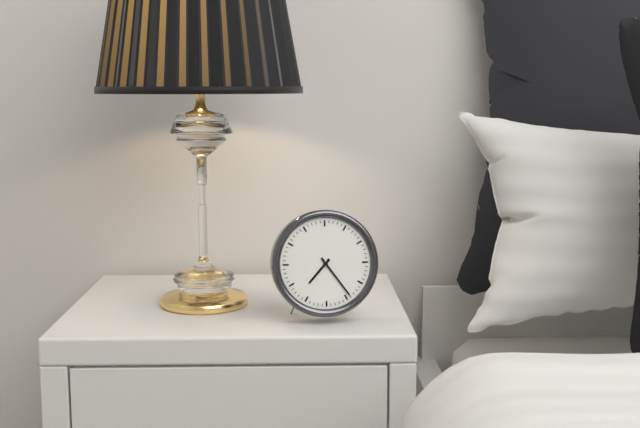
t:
7h24
